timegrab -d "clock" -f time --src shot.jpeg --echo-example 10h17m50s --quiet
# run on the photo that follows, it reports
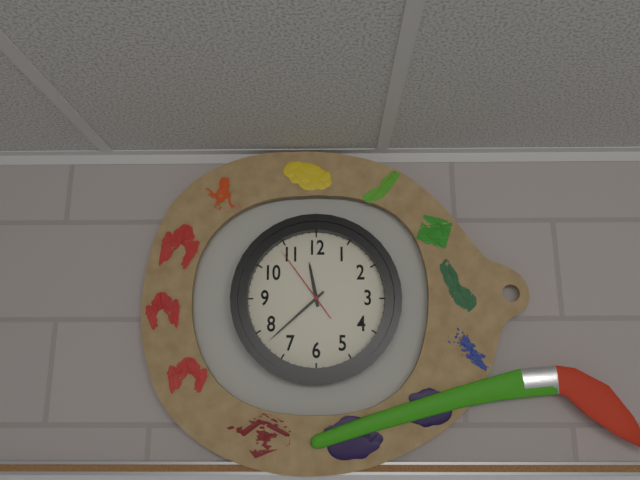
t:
11h38m54s
